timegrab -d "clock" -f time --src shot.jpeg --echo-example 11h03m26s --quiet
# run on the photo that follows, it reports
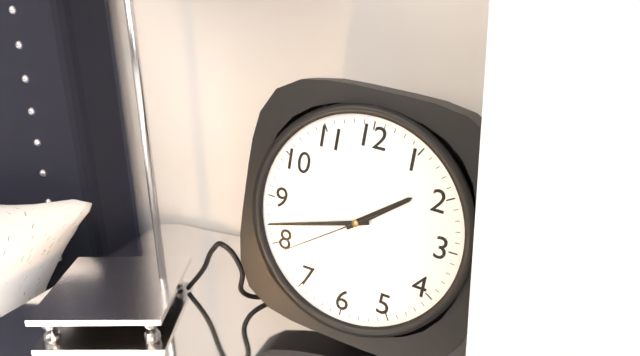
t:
1h42m39s
